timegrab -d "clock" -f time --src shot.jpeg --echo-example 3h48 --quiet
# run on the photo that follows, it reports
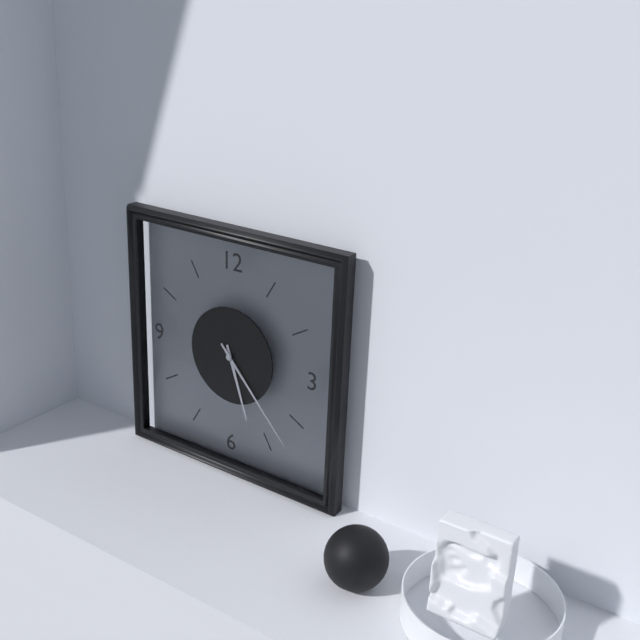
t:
5h23
